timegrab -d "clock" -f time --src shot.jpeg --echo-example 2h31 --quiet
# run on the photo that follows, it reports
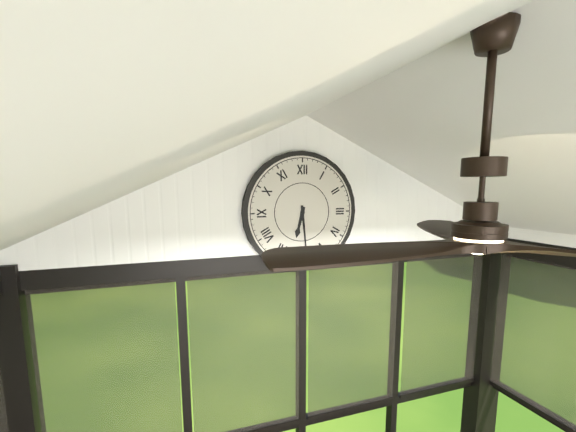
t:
6h29
